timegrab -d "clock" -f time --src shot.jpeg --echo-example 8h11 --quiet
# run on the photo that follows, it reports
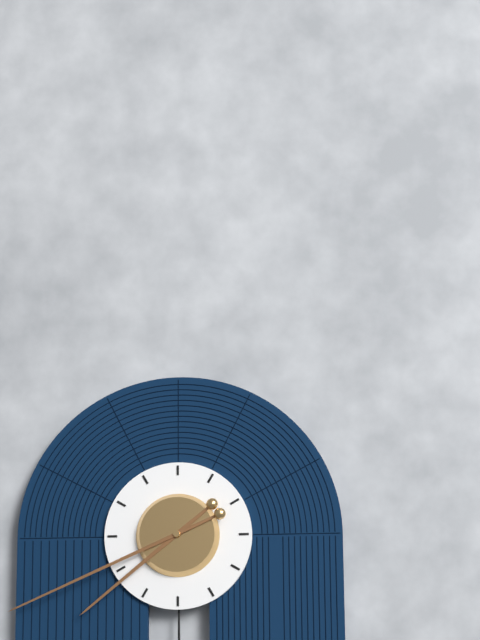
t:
7h41
